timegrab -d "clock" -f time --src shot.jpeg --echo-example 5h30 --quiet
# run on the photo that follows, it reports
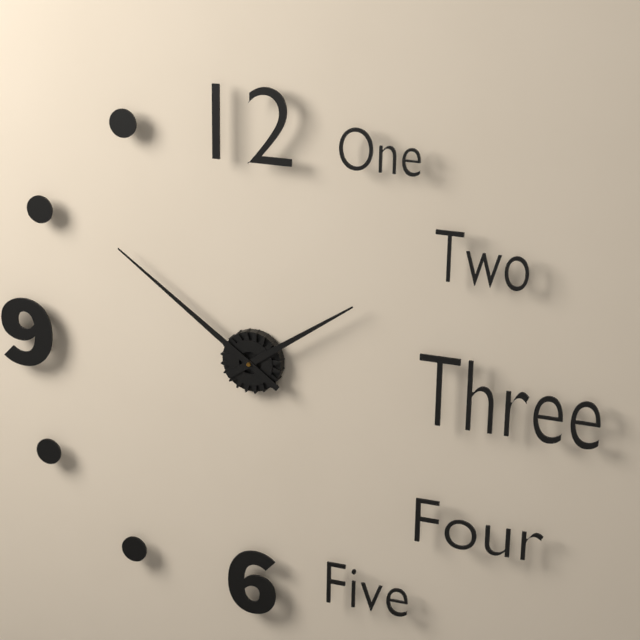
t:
1h51
